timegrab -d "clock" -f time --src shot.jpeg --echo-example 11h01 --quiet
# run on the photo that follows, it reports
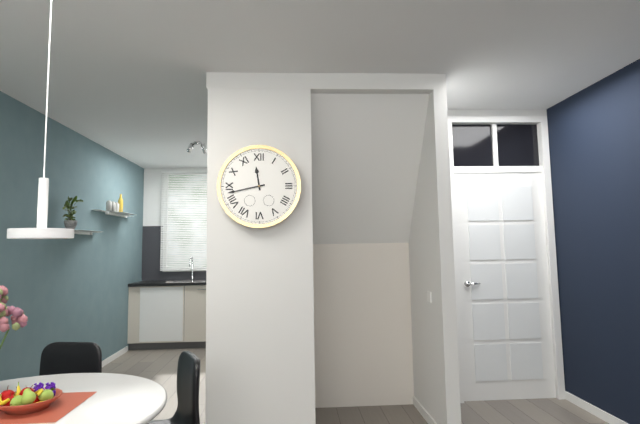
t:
11h43
